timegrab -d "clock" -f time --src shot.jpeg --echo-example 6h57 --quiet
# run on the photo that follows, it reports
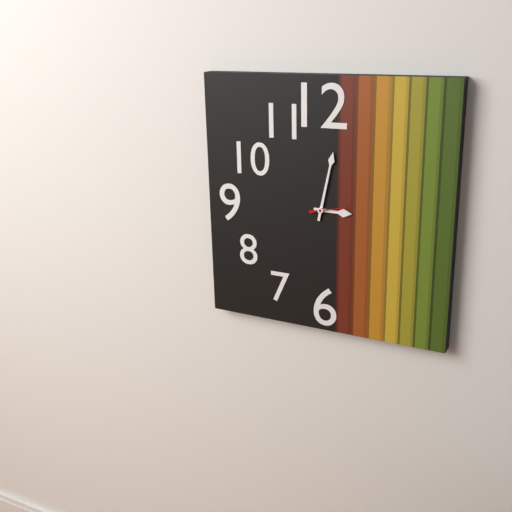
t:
3h02
